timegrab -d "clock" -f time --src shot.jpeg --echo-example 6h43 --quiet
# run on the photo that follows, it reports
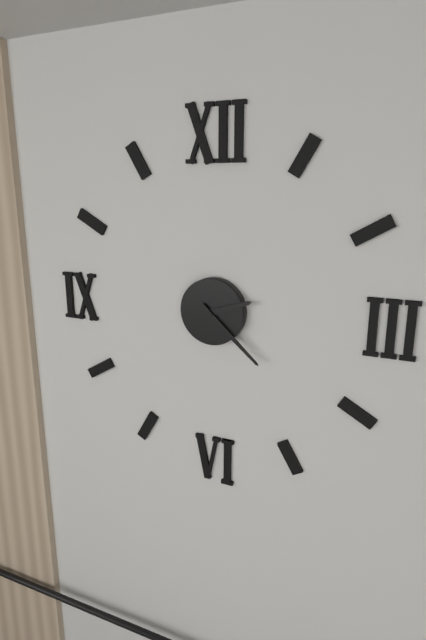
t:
2h22
